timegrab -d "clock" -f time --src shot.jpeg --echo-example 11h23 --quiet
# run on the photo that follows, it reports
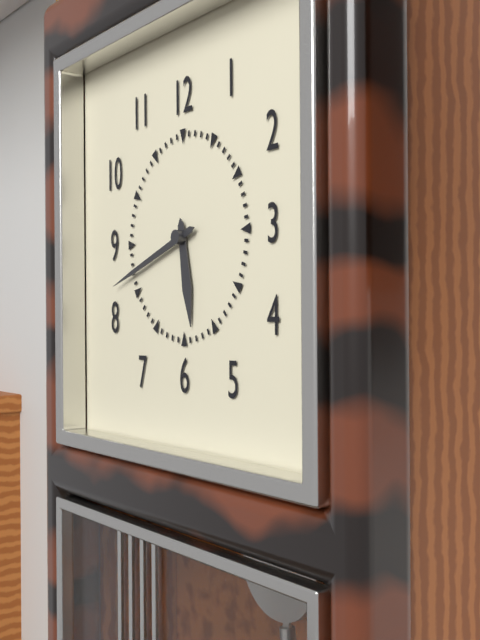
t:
5h42
